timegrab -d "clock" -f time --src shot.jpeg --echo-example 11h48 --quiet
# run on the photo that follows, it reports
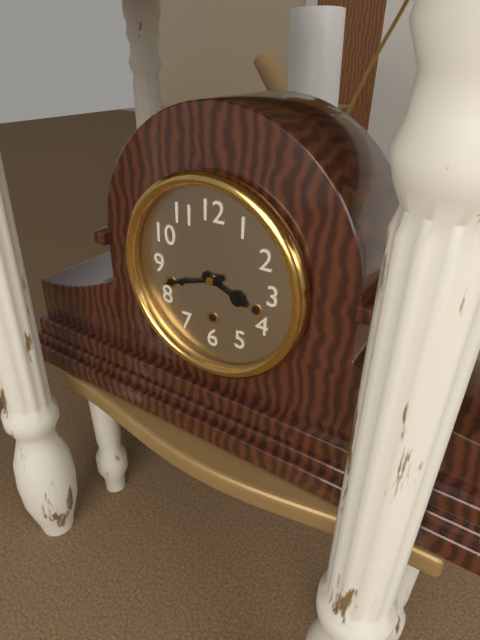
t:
3h42
